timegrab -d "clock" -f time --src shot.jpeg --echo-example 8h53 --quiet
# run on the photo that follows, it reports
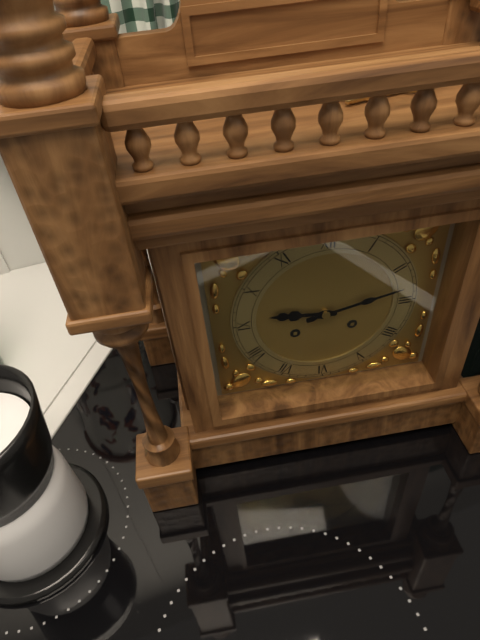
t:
9h13
